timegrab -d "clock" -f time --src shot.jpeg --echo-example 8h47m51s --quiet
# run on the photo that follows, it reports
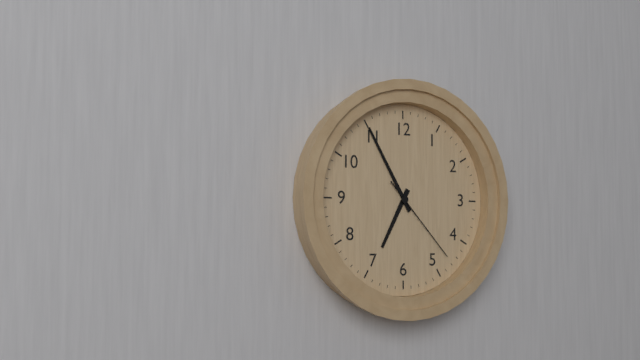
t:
6h55m23s
